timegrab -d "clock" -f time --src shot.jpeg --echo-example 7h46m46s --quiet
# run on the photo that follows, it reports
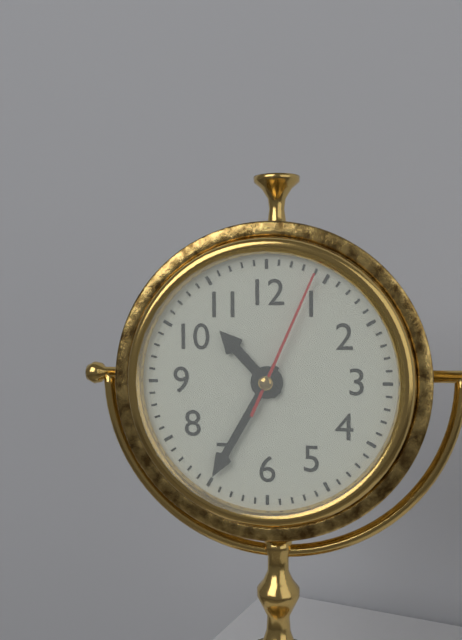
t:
10h35m04s
